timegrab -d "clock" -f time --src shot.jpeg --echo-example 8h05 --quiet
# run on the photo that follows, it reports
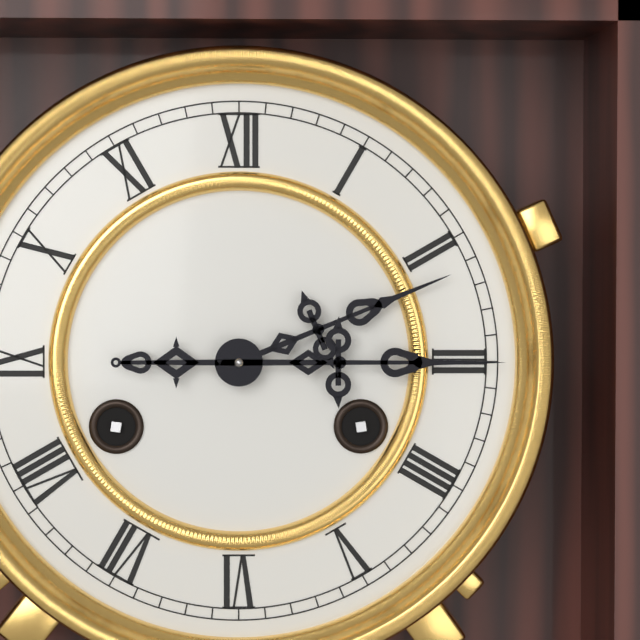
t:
2h15
